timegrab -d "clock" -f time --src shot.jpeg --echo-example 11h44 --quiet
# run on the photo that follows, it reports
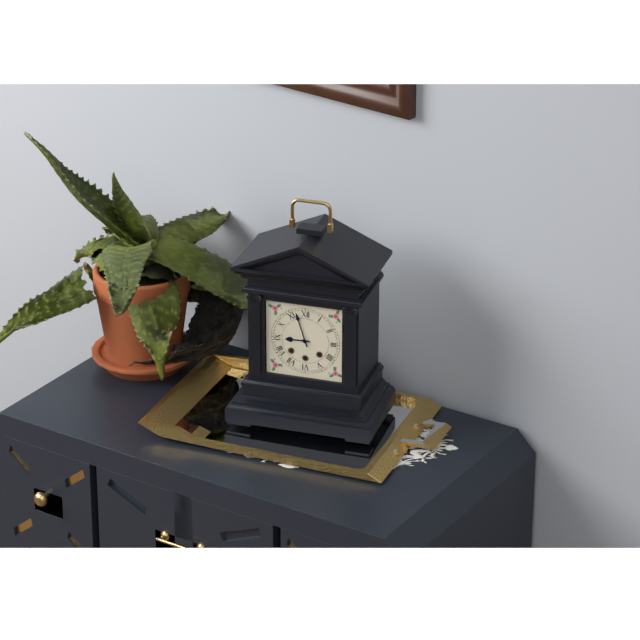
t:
8h57
